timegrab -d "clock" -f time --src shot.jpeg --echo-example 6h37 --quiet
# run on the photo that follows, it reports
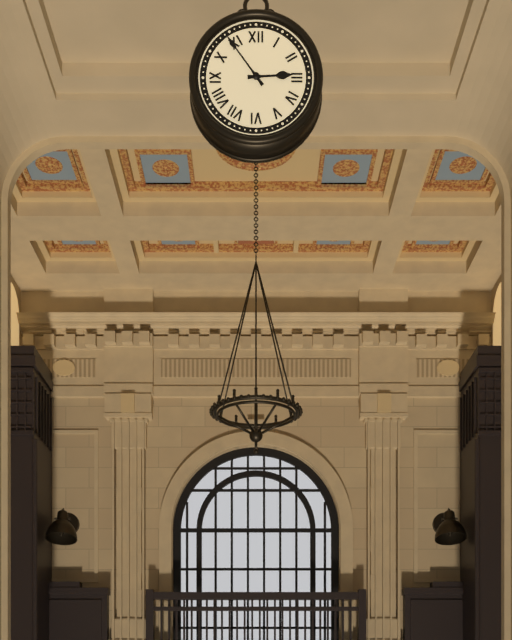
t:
2h54
